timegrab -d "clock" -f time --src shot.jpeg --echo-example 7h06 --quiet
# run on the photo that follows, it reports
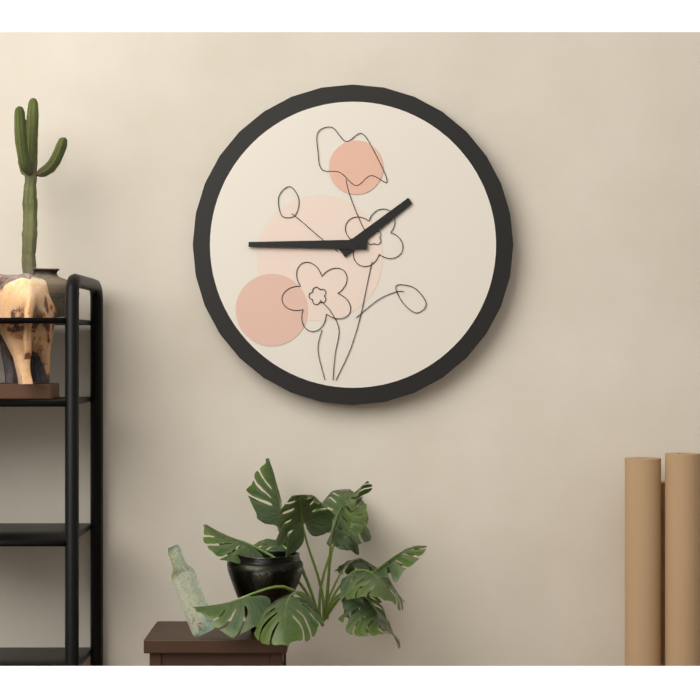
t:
1h45
